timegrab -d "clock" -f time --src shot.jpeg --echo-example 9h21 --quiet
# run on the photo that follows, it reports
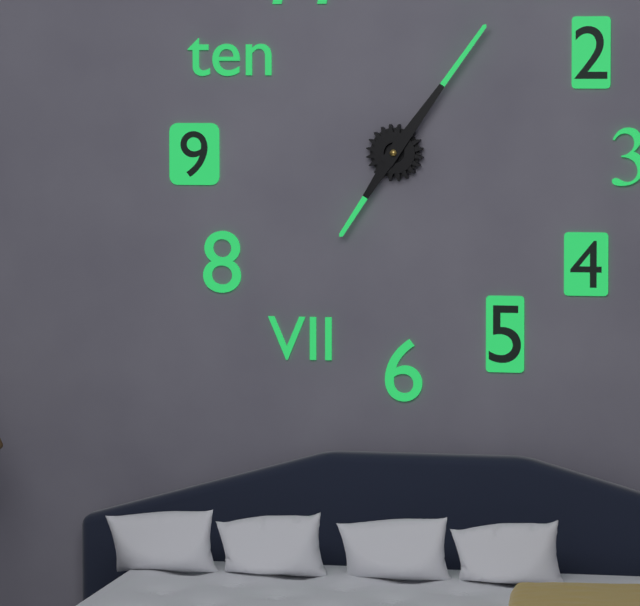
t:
7h06
